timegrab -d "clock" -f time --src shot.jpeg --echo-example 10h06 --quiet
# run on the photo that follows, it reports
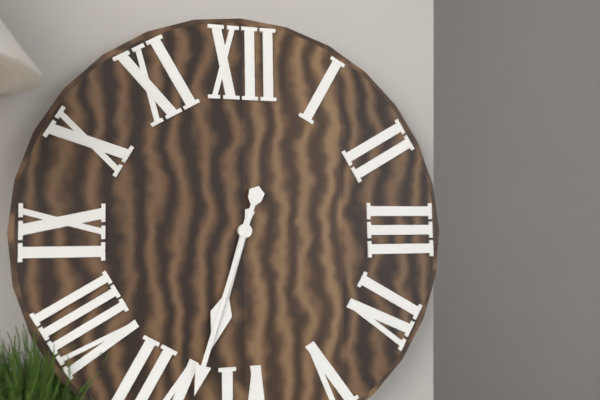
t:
6h33
